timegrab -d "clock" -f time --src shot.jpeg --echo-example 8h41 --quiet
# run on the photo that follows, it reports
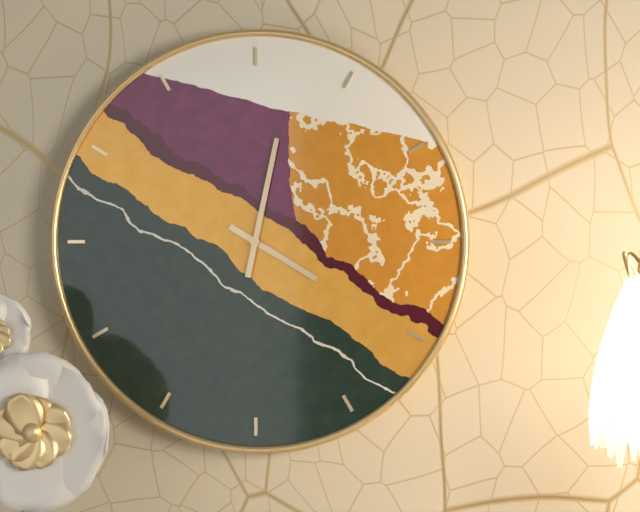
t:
4h02
